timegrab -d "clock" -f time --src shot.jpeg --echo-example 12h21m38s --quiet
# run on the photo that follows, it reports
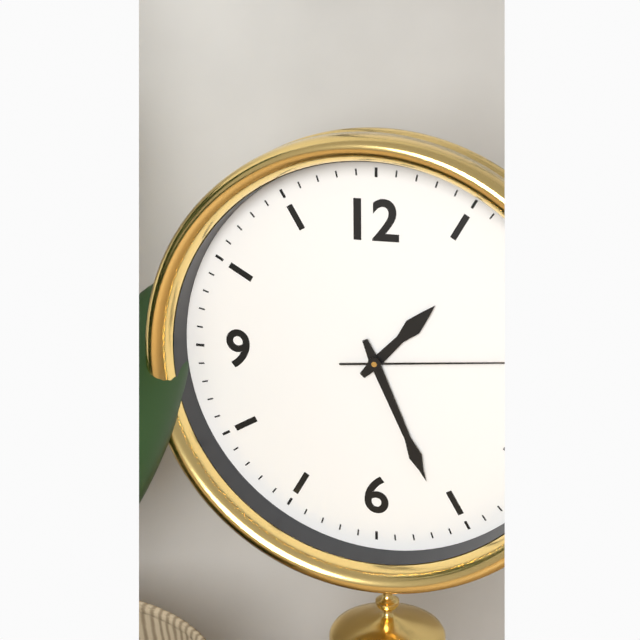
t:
1h26m14s
